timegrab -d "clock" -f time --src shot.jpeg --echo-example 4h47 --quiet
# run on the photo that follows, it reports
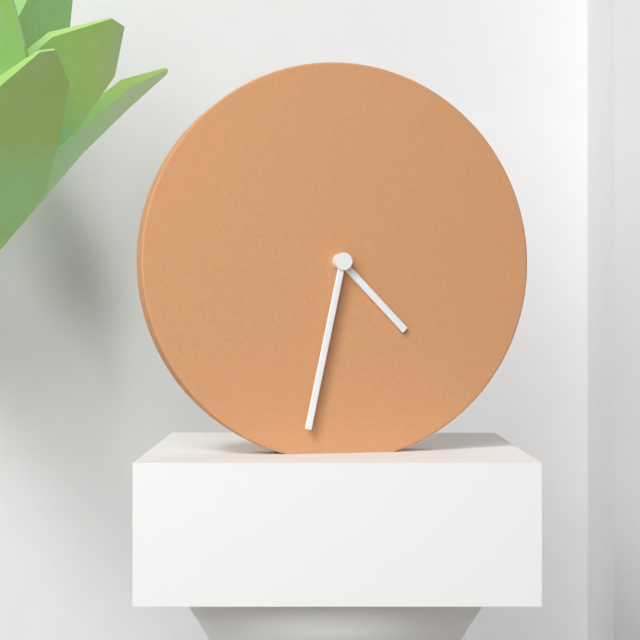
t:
4h32
